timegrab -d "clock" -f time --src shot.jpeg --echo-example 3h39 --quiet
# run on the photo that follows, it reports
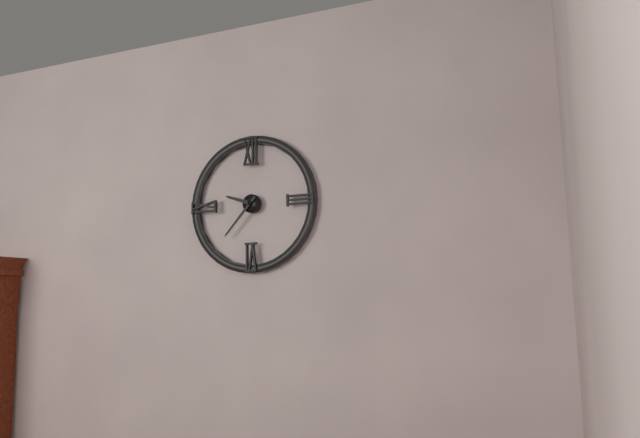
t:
9h37
